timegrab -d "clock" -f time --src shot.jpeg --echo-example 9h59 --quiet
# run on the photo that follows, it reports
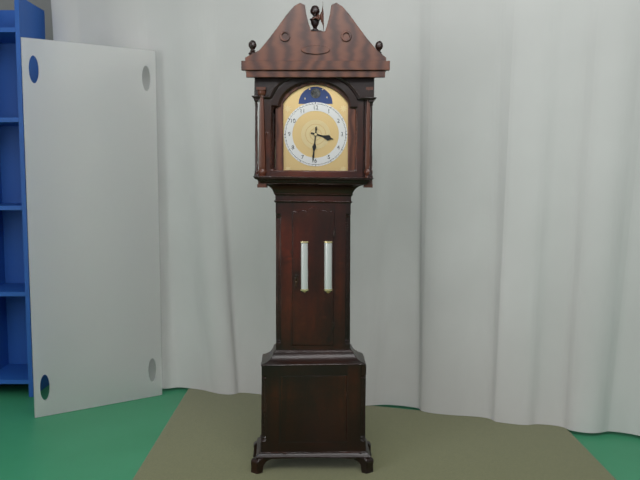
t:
3h31
